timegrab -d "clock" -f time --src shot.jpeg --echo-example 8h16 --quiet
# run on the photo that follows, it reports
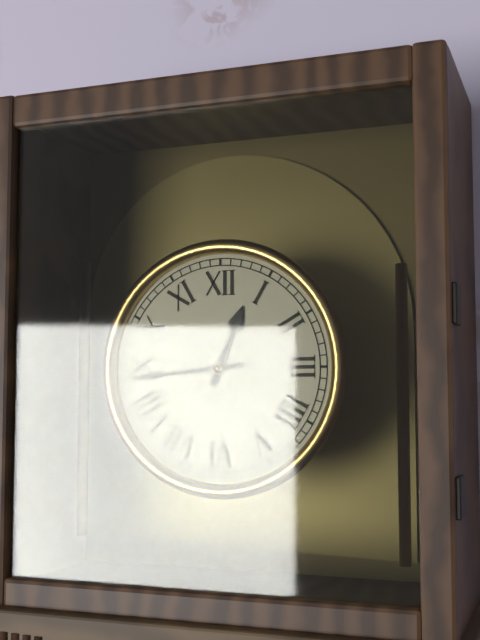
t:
12h44
